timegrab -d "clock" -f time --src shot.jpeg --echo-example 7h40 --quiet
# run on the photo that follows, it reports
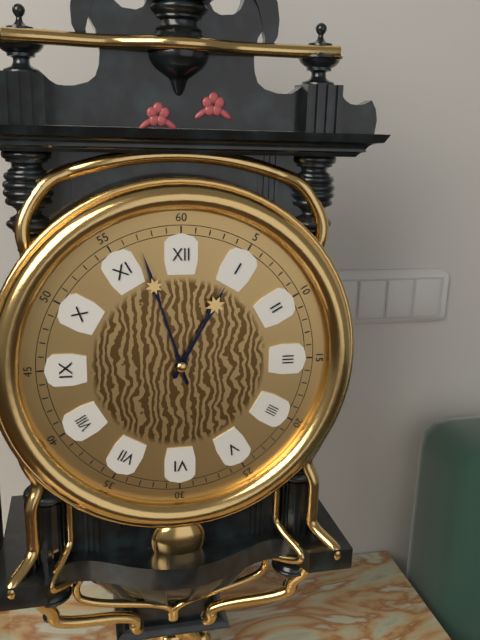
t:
12h57
